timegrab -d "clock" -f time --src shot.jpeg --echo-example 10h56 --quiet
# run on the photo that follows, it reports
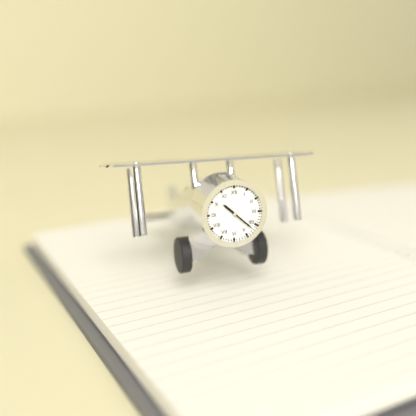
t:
10h22
